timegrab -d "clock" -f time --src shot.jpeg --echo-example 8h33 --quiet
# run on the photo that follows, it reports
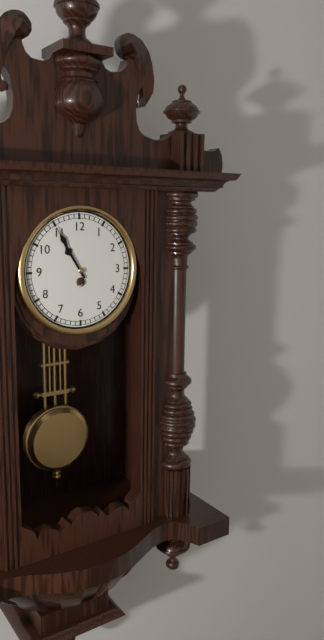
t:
10h55
